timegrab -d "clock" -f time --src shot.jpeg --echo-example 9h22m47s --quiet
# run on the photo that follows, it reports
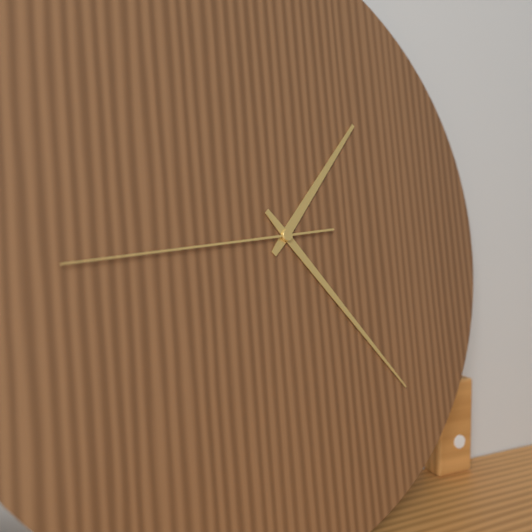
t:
1h23m44s
